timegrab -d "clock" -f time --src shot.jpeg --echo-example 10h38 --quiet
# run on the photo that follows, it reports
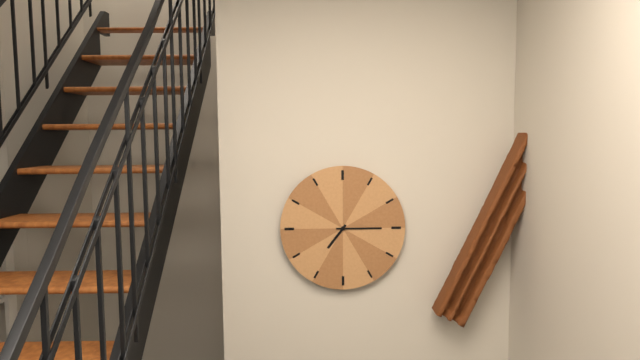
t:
7h15
